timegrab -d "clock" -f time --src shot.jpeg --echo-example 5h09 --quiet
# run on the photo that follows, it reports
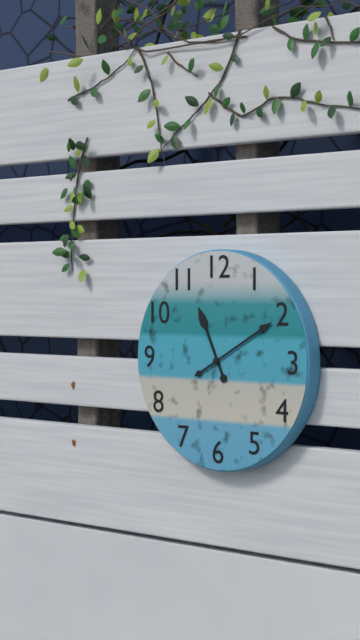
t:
11h10
